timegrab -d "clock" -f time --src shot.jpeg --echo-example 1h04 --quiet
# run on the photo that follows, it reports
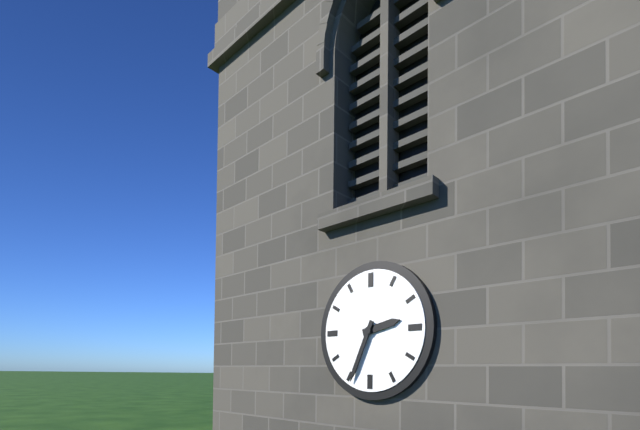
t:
2h34
